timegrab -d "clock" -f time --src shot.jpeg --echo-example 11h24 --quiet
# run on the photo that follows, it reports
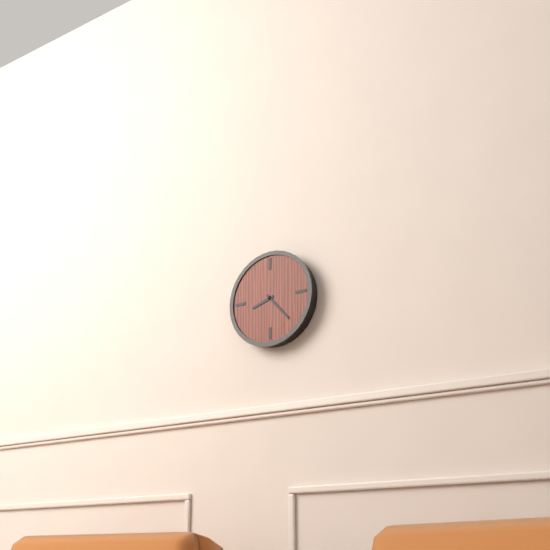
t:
8h23
